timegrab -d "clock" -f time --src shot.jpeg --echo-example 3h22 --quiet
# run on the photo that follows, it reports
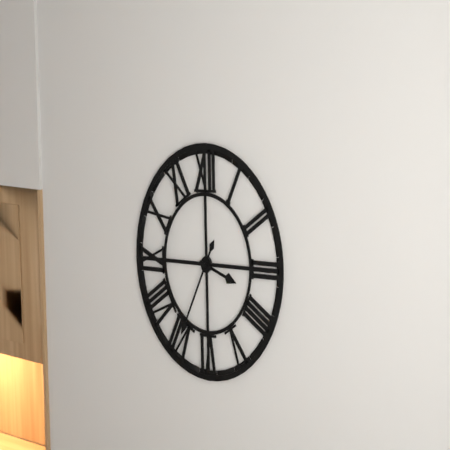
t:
3h35
